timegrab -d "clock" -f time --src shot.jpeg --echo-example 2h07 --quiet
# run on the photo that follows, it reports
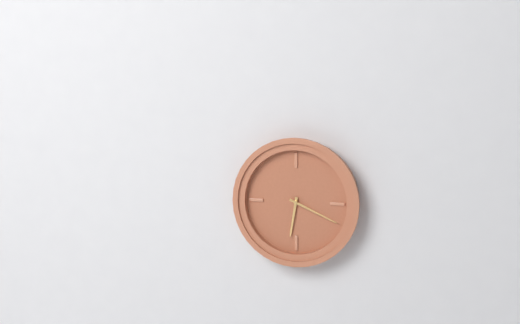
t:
6h19
